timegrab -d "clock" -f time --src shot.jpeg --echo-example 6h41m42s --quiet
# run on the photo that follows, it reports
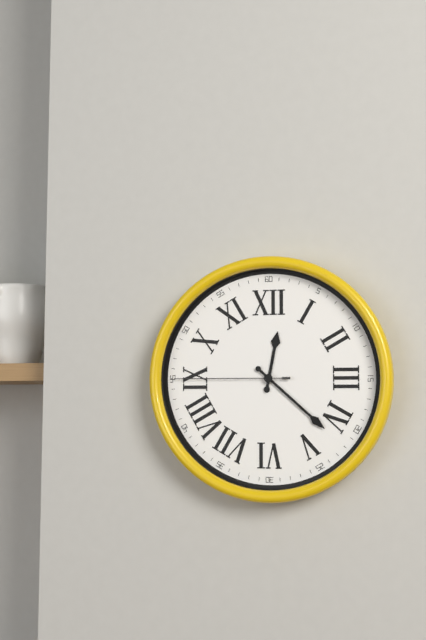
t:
12h22m45s
